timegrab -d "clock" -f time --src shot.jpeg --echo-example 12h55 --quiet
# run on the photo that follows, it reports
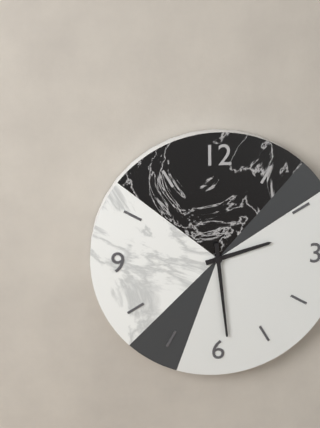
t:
2h29
